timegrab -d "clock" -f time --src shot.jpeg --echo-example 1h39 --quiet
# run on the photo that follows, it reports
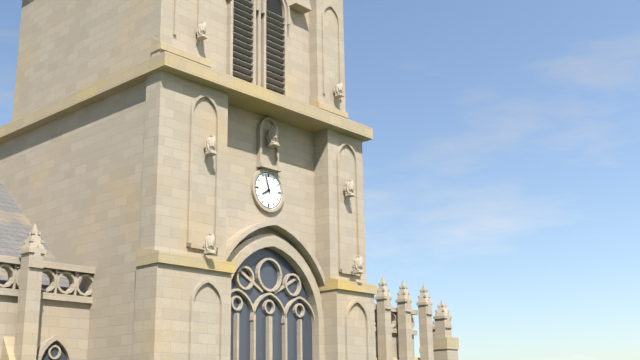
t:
7h57
